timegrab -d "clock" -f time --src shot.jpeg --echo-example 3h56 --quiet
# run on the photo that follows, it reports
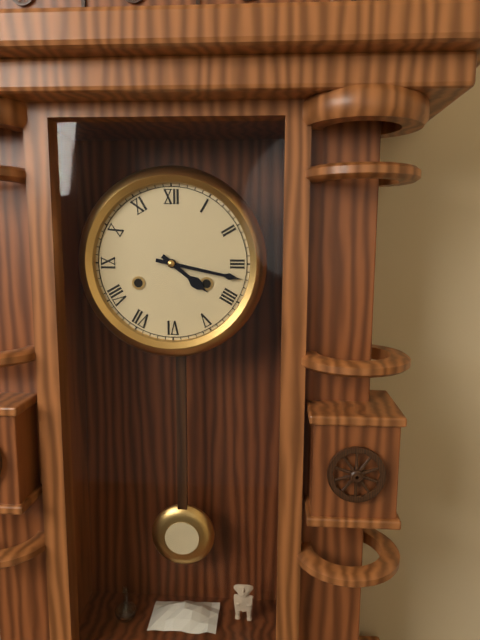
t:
4h17
